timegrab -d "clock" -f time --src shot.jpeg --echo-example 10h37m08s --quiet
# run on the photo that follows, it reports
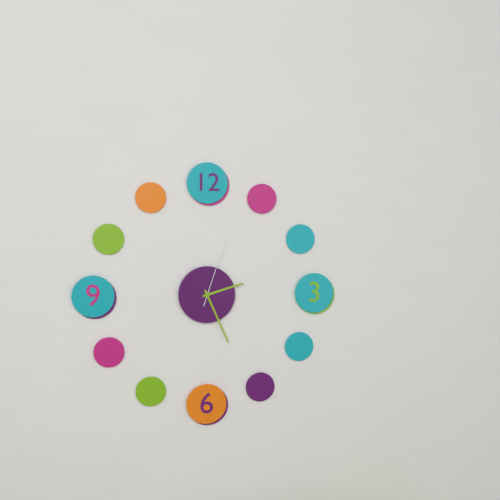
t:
2h26m03s
